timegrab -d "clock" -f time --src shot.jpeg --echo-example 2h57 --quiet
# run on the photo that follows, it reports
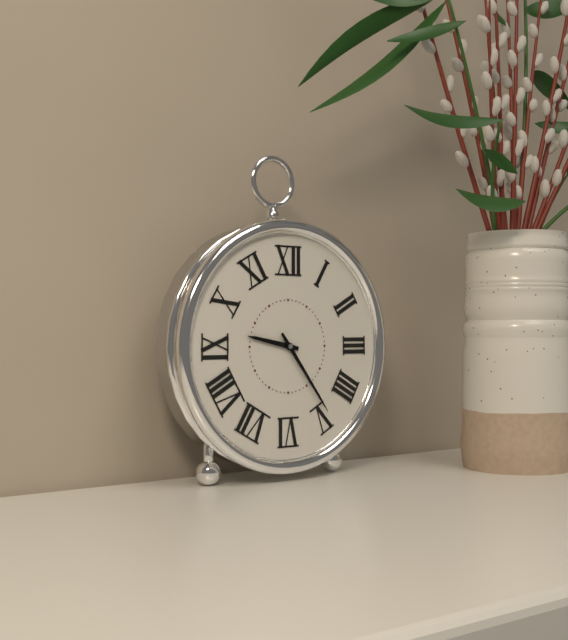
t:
9h24
